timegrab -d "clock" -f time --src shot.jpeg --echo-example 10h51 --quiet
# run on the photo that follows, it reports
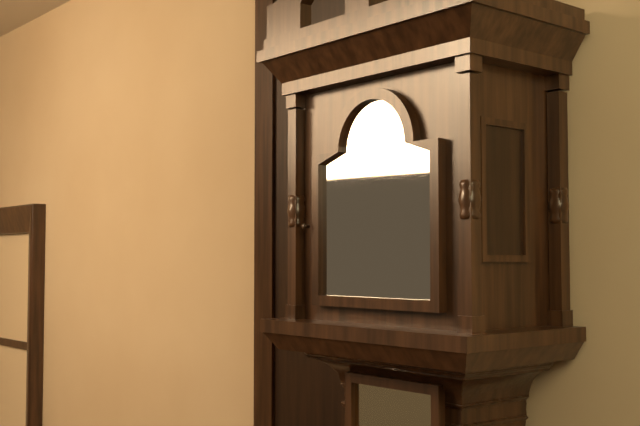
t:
8h49
